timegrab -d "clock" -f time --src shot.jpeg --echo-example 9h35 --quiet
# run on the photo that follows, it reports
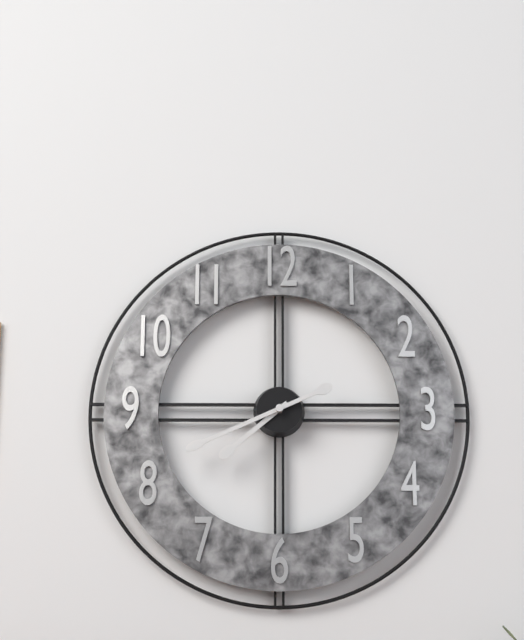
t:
7h41
